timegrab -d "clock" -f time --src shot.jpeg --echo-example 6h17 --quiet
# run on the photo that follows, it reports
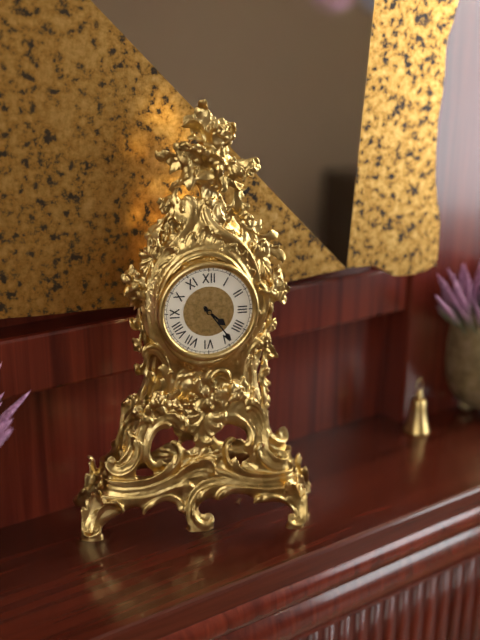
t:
4h24
